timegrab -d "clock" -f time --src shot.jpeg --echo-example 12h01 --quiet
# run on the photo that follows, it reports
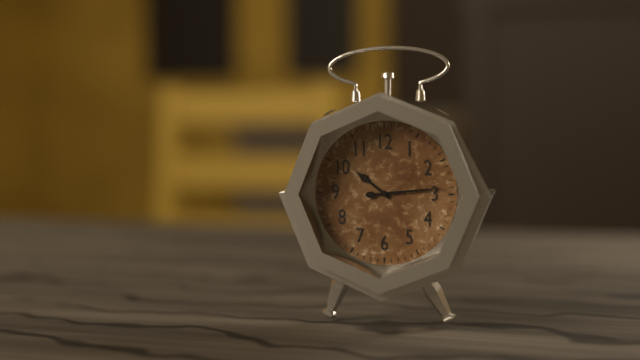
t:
10h14
